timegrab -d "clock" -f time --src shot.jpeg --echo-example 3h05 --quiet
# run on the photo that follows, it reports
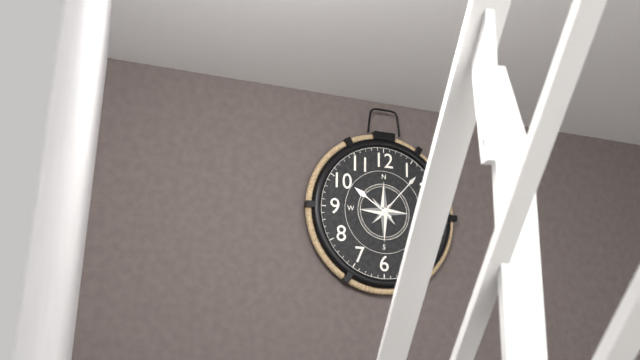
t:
10h07
